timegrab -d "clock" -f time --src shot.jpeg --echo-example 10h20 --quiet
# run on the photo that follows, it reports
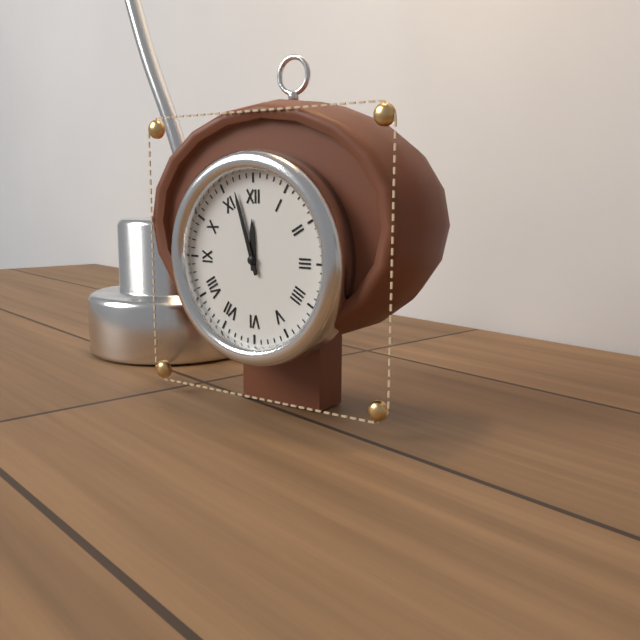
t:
11h57
